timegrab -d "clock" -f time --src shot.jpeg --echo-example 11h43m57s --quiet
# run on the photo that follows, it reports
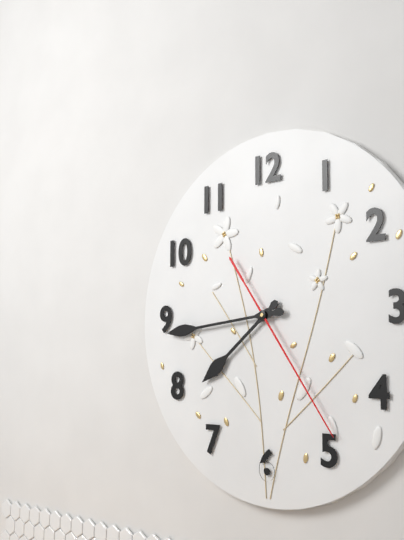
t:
7h44m24s
